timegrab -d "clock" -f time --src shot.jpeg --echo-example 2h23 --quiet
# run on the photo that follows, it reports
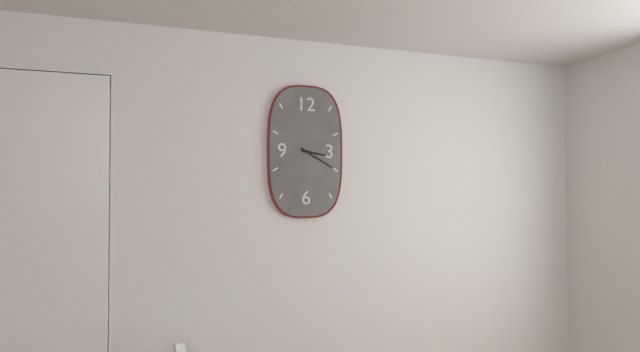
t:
3h20
